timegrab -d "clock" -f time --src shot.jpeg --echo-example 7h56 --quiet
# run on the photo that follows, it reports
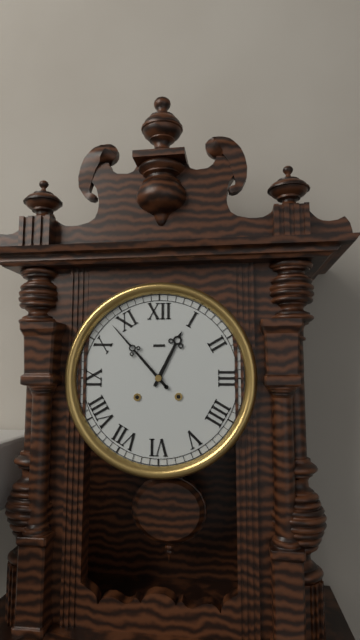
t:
12h53
